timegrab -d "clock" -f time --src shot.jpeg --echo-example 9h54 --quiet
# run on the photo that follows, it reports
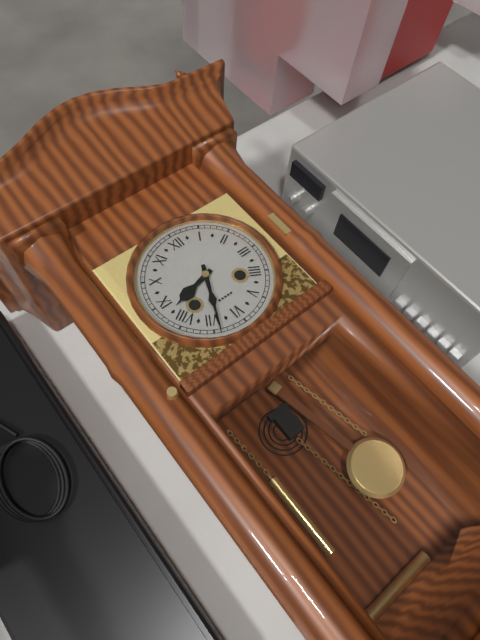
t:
8h34
